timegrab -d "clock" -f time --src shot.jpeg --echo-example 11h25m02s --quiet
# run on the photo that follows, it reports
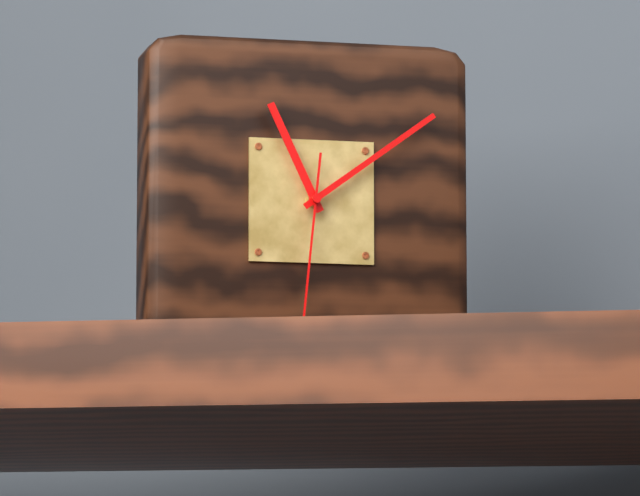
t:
11h09m31s
